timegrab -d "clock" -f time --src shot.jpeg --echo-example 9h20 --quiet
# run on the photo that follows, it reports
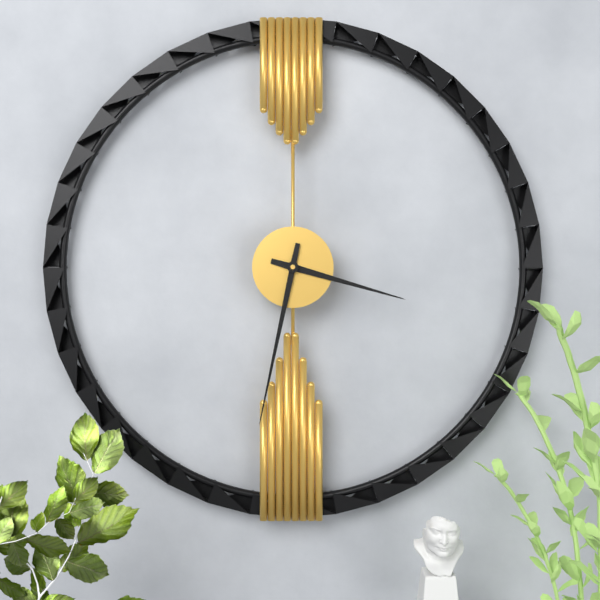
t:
3h32
